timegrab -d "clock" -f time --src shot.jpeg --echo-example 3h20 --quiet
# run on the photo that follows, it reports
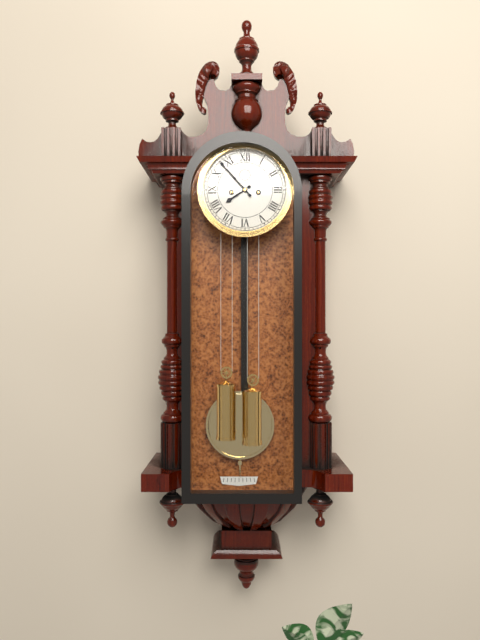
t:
7h53
